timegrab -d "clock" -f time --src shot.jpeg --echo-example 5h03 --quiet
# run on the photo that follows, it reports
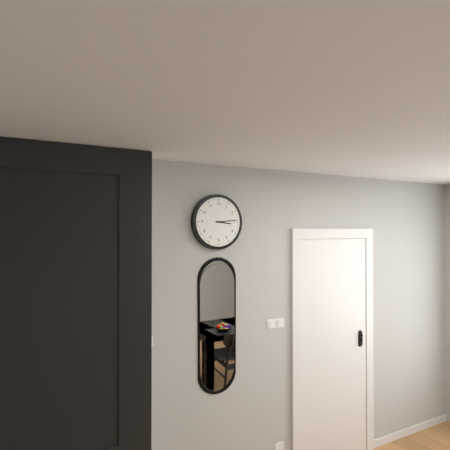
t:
3h14
